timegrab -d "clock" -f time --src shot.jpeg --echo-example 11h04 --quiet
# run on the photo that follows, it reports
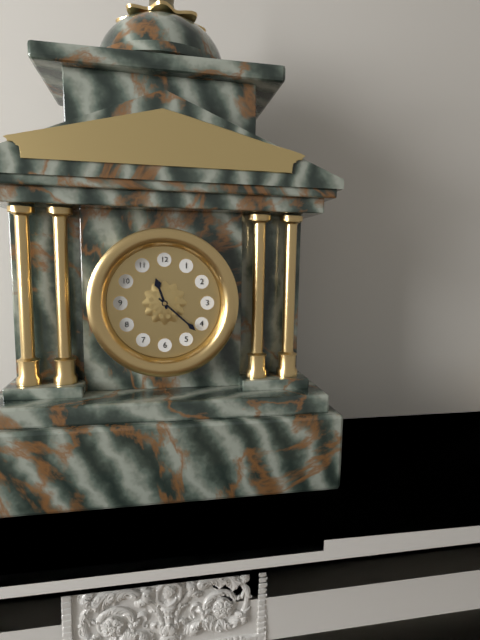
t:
11h22
